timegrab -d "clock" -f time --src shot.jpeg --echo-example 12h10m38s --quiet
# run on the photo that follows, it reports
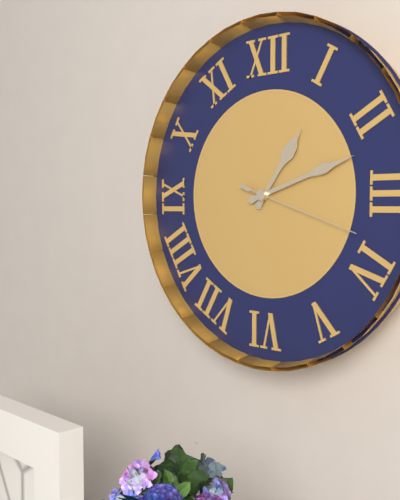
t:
1h12m18s
